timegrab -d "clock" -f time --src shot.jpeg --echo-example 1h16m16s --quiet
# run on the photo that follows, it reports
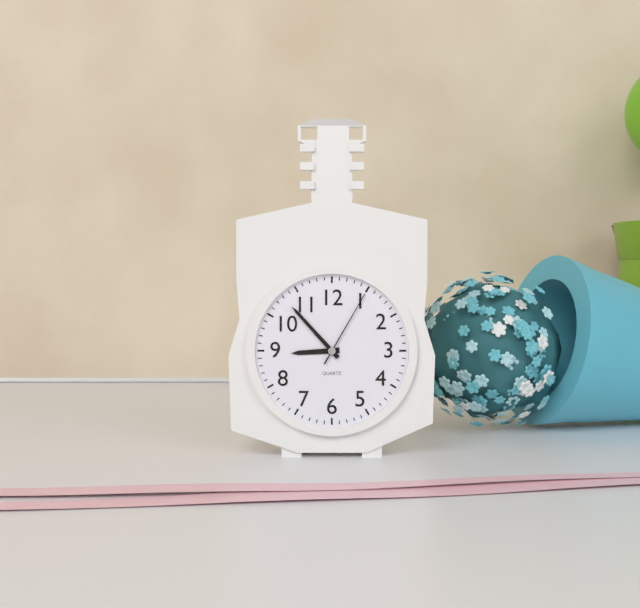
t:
8h53m05s
